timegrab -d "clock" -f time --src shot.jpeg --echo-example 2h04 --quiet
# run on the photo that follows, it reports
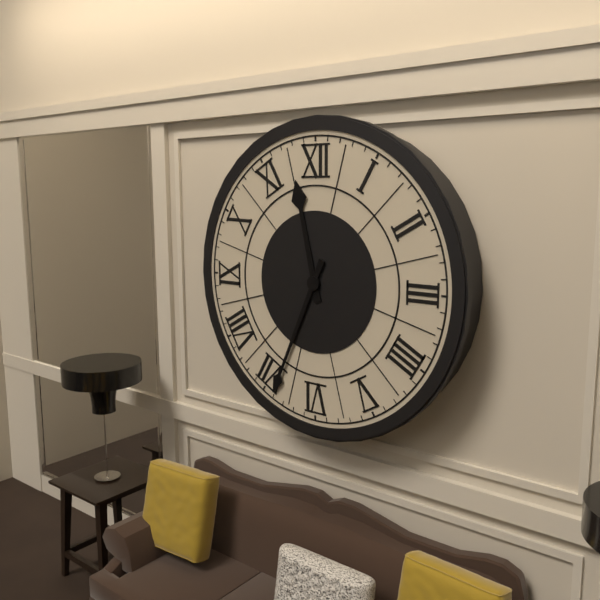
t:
11h34
